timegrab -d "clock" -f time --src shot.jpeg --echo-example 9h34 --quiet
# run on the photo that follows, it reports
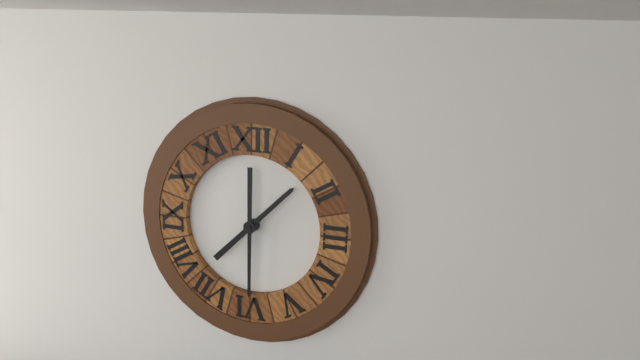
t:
1h30
